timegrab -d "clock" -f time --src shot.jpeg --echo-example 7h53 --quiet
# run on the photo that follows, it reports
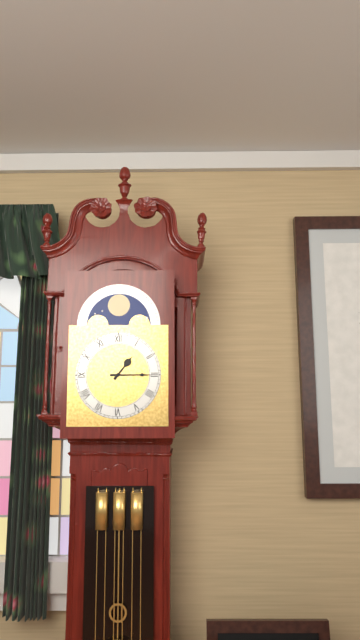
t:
1h15
